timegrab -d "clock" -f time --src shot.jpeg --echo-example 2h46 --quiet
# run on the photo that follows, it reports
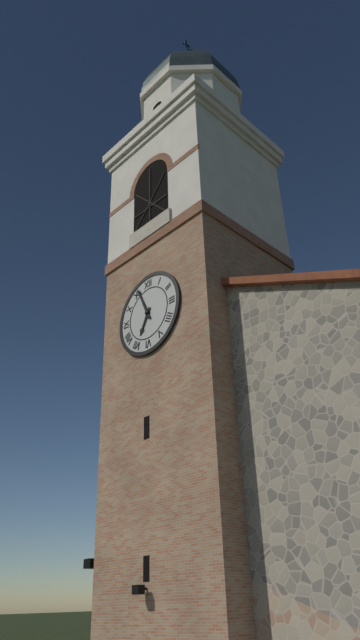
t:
6h56
